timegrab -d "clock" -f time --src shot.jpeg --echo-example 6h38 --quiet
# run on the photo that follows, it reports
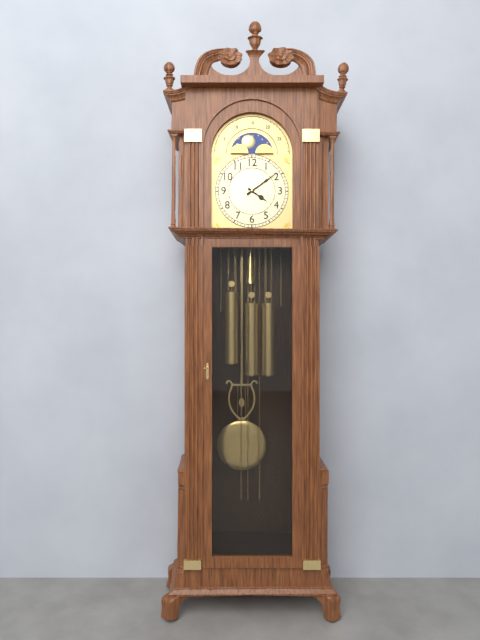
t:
4h09
